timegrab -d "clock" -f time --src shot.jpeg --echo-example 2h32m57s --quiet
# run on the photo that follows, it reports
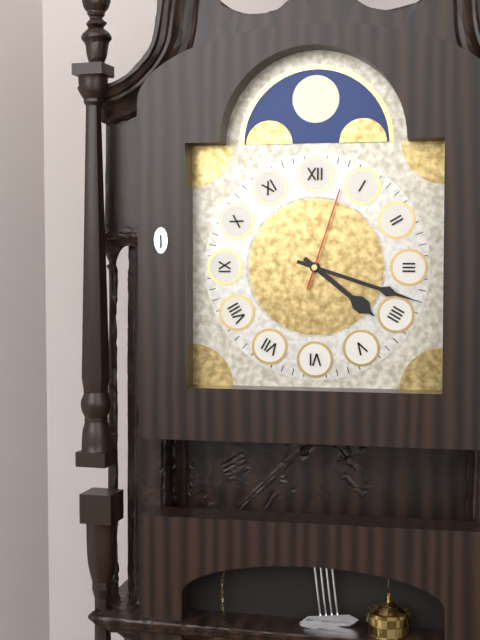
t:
4h18m03s
